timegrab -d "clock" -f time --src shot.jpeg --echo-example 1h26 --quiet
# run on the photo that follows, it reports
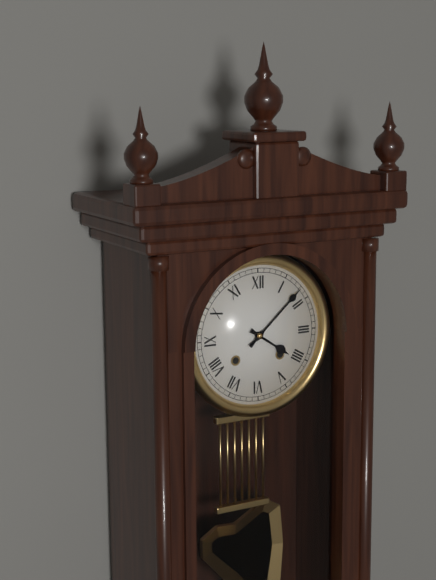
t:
4h08
